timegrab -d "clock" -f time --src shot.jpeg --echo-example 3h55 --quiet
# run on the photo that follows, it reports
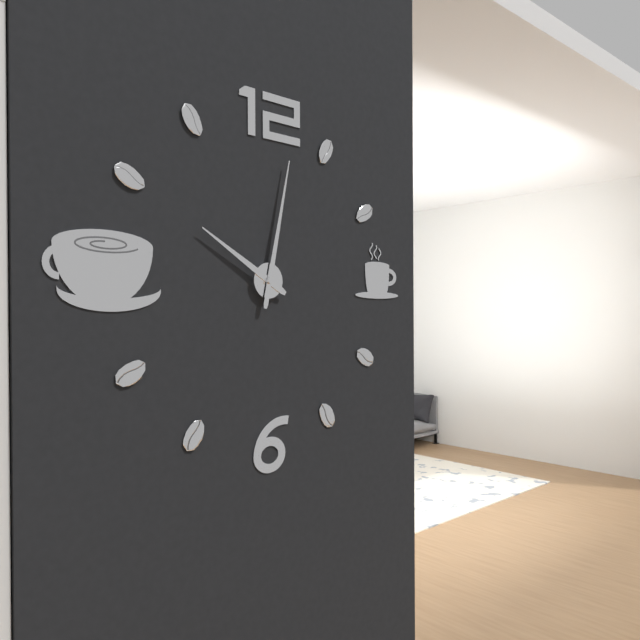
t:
10h02
